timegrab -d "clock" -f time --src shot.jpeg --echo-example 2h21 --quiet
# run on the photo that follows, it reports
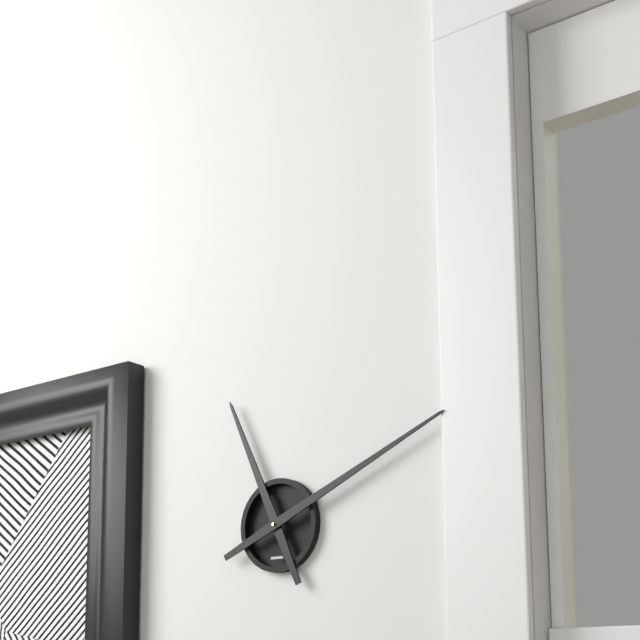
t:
11h11
